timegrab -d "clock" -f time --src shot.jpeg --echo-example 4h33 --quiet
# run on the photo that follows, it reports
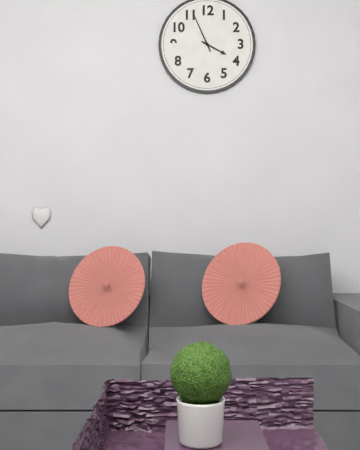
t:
3h56
